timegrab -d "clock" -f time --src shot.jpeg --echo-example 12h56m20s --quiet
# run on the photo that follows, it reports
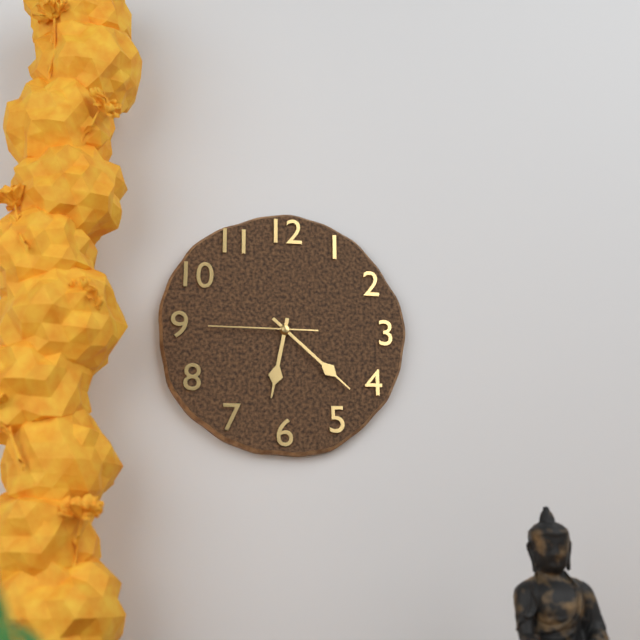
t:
6h22m45s
